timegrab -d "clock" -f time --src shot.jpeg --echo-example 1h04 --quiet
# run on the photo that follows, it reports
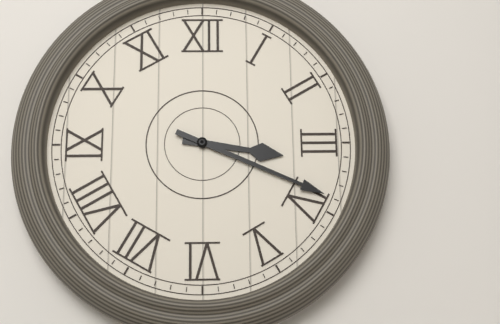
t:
3h19
